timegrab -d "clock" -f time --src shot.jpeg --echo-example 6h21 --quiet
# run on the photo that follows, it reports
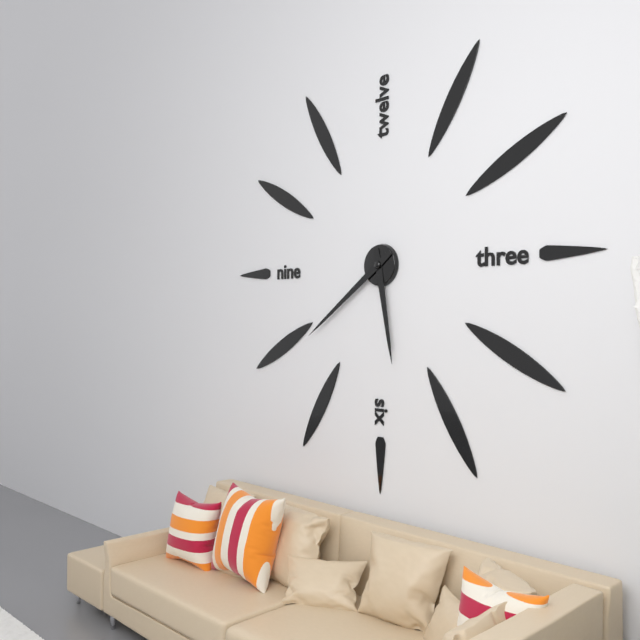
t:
5h39
